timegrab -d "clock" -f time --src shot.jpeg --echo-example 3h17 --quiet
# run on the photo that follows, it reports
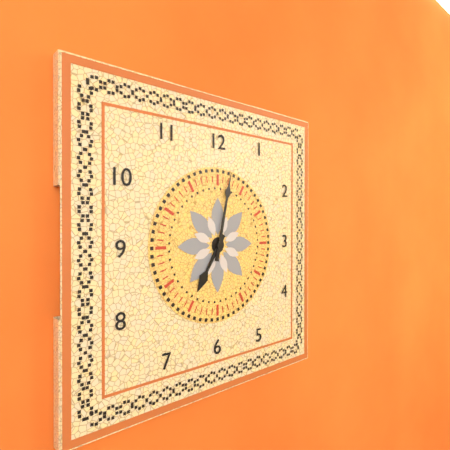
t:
7h02
